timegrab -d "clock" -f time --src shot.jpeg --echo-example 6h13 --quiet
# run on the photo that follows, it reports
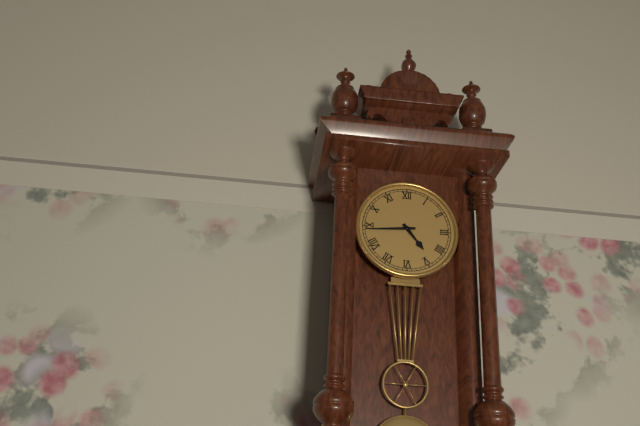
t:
4h44
